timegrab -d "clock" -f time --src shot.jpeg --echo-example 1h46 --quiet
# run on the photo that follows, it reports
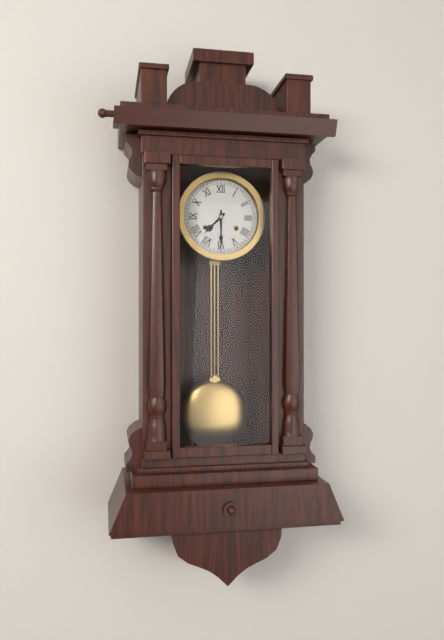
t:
7h30
